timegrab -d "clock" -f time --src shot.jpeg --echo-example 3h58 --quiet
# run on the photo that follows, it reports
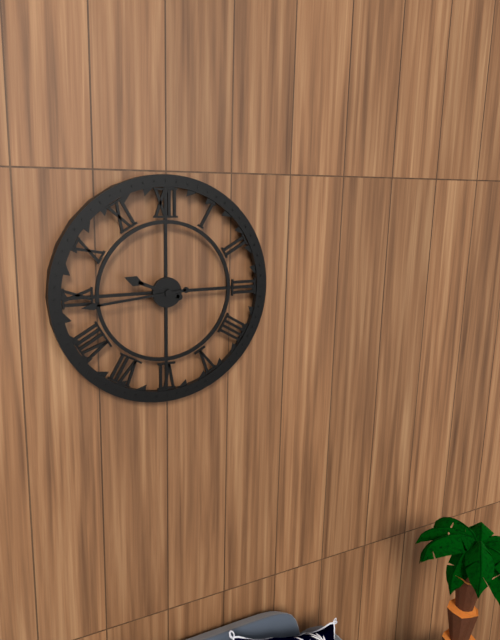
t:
9h44
